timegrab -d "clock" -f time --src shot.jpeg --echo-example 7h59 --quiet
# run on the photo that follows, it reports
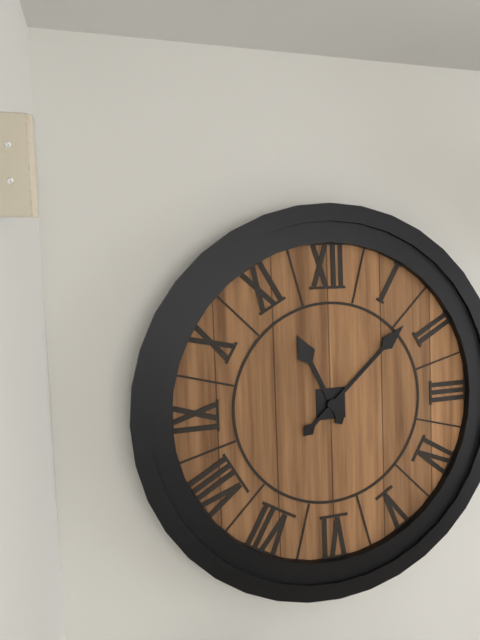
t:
11h08
